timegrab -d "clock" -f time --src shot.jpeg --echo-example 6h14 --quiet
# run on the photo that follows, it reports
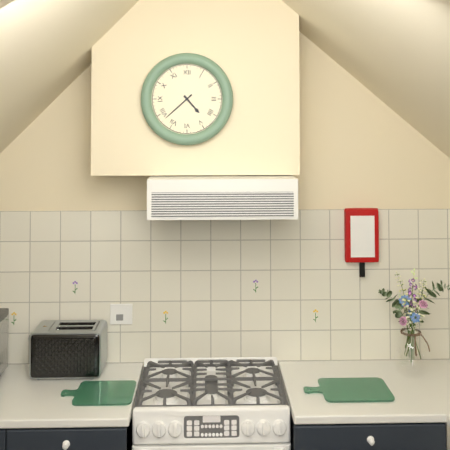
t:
4h38
